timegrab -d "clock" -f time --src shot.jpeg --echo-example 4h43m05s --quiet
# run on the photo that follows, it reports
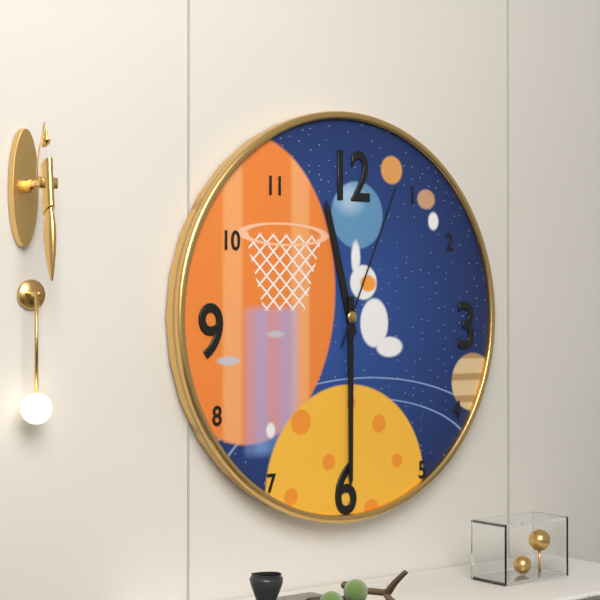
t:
11h30m04s
